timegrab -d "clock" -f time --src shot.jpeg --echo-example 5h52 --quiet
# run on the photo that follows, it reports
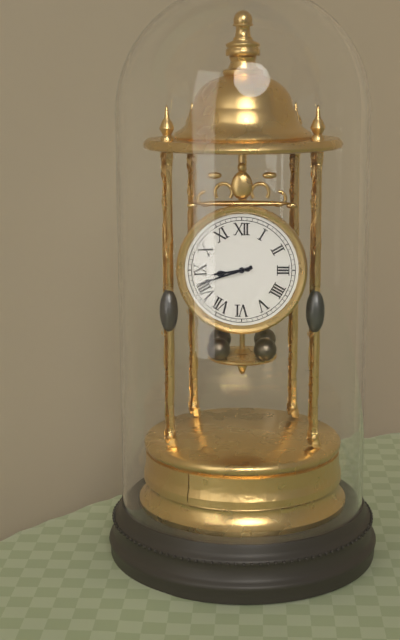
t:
8h42
